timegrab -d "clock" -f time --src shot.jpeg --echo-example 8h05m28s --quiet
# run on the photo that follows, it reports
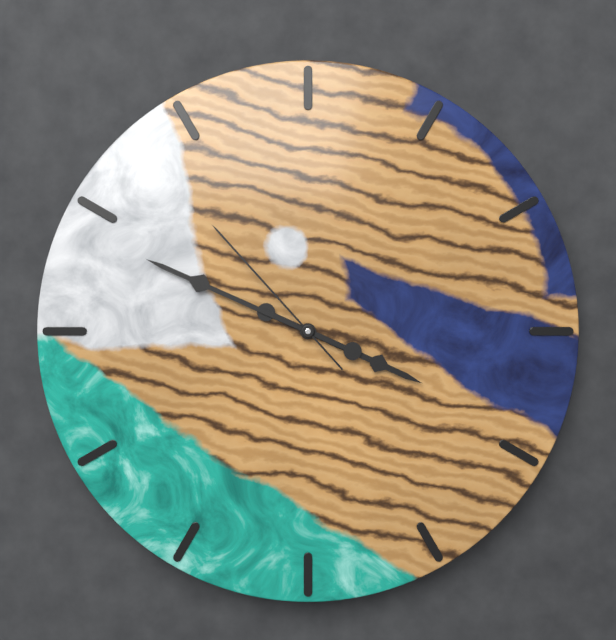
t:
3h49m53s
